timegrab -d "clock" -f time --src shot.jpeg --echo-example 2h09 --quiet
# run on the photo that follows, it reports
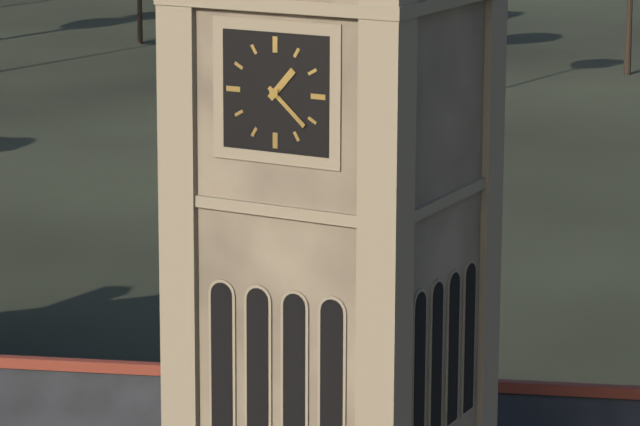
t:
1h22
